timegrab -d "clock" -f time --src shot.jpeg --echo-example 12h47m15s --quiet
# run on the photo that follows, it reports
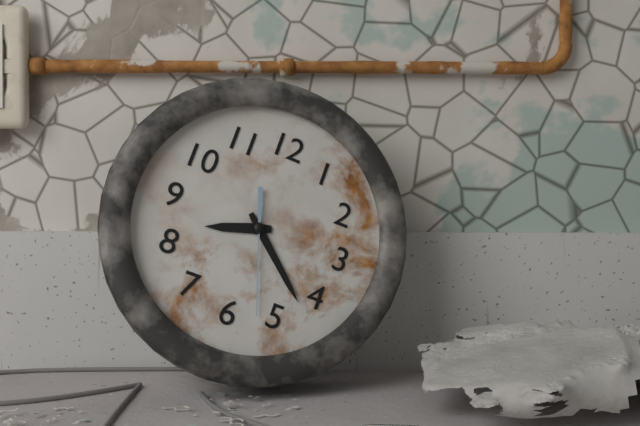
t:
8h22m27s
